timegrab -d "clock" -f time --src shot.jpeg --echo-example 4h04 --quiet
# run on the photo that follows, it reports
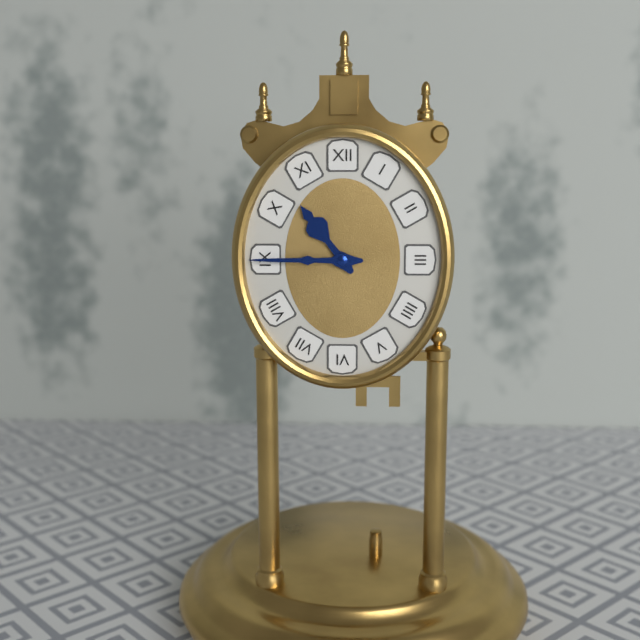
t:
10h45
